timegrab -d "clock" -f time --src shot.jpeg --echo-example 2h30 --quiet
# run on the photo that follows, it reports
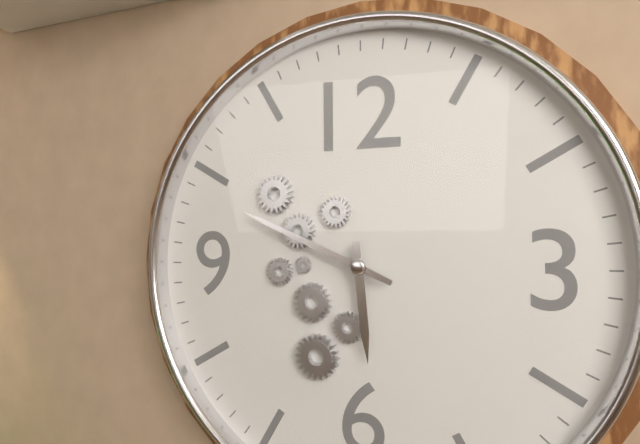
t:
5h49
